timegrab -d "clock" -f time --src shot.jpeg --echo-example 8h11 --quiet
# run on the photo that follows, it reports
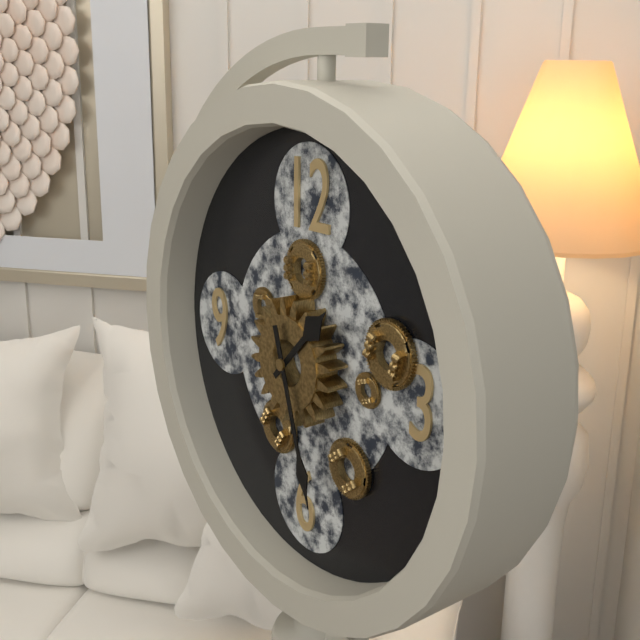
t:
1h27
